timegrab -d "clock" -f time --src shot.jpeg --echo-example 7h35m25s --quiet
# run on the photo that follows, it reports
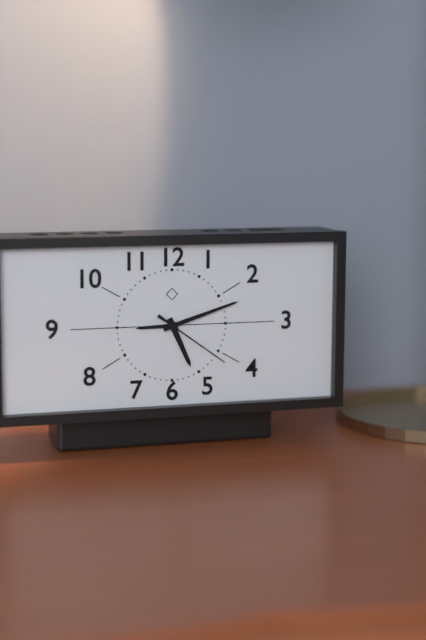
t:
5h12m21s
